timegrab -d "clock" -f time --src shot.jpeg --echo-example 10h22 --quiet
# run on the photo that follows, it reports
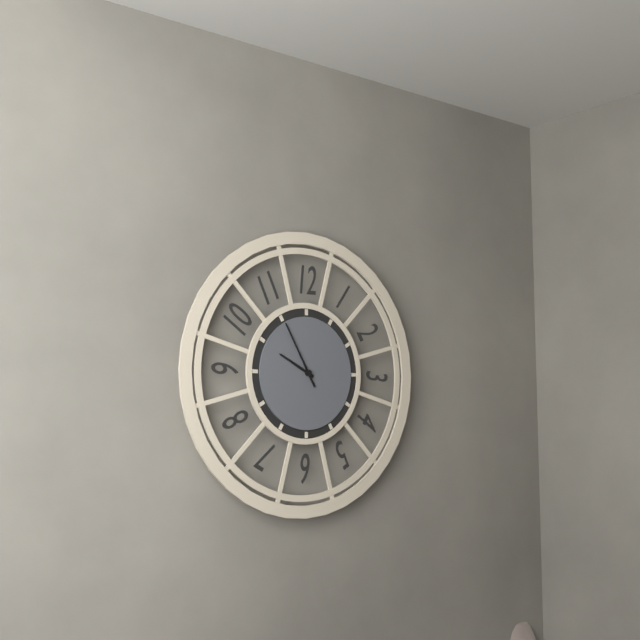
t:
9h55
